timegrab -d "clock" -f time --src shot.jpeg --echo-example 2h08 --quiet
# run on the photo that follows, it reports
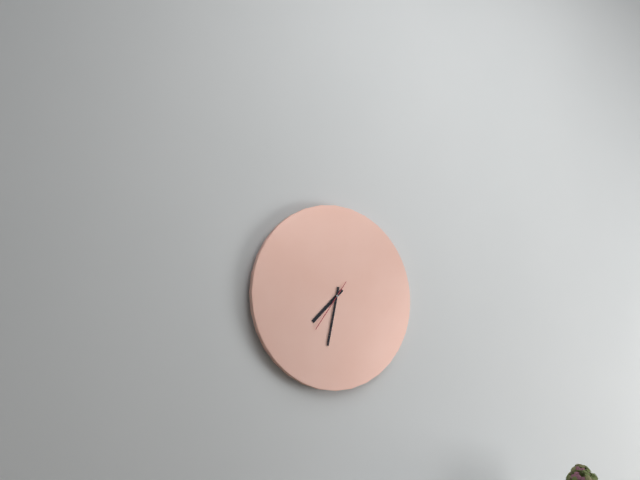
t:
7h32
